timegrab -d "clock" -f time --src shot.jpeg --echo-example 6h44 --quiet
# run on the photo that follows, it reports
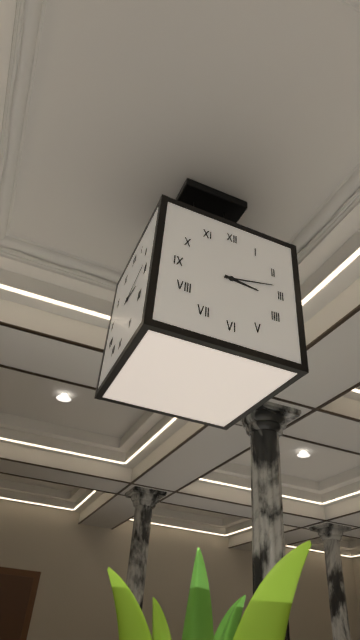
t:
3h13
